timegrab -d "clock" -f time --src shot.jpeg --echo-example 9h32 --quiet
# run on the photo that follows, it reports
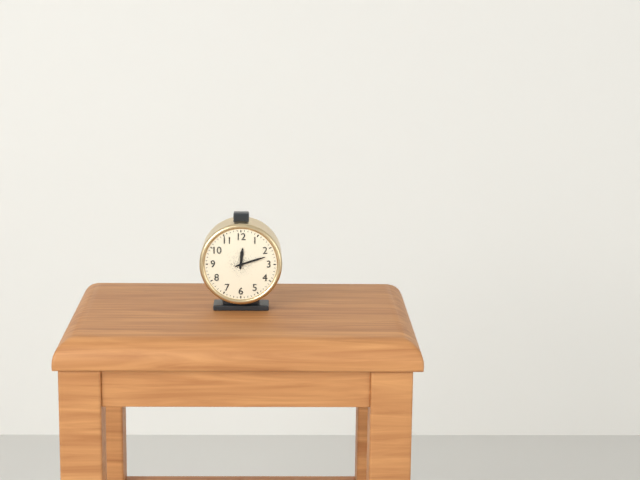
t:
12h12
